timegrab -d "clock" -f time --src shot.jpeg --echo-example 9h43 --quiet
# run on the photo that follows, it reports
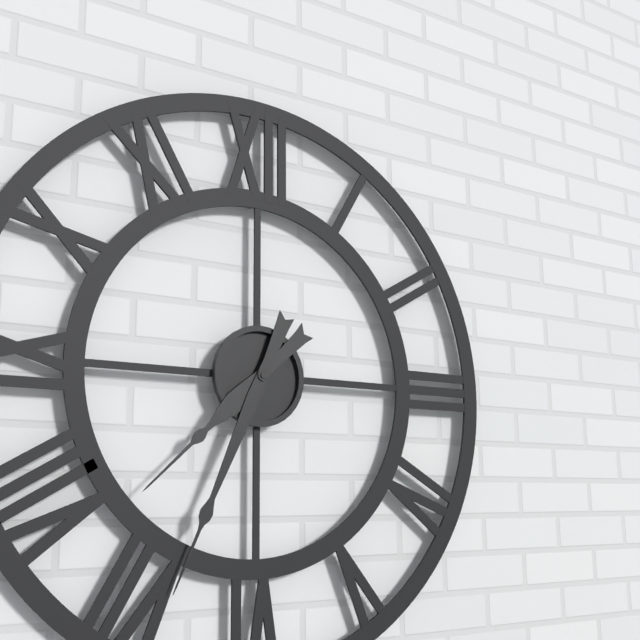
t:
7h34
